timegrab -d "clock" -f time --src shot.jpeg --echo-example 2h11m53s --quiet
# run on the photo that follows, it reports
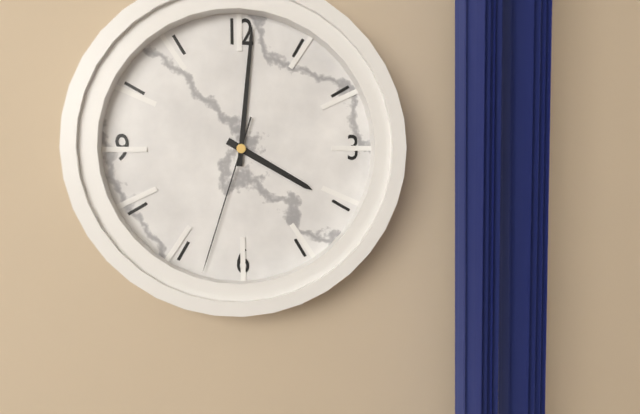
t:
4h01m33s
